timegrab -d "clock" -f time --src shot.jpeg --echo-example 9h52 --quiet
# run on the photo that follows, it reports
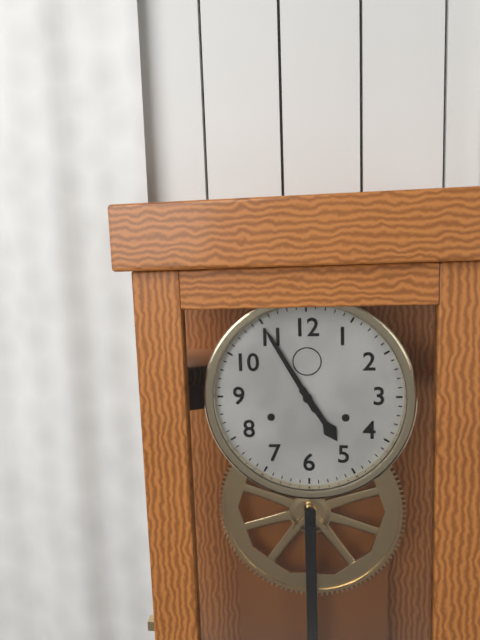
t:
4h55
